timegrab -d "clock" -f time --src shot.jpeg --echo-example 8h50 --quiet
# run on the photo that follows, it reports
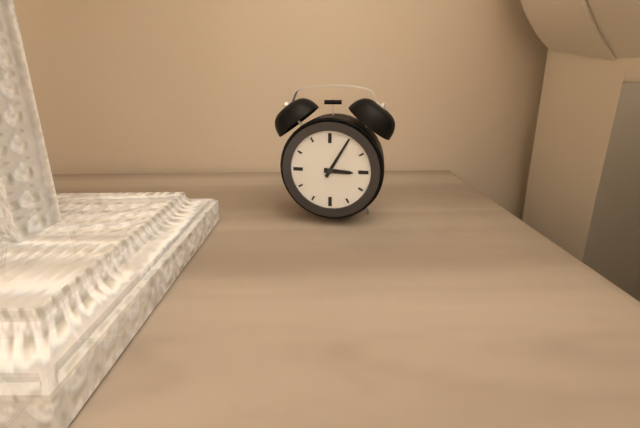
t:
3h05
